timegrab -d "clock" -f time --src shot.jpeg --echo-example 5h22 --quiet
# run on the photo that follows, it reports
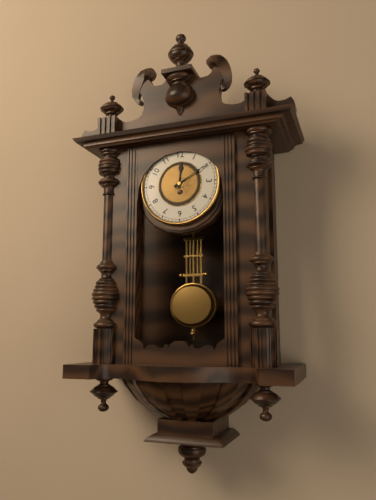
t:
12h10
